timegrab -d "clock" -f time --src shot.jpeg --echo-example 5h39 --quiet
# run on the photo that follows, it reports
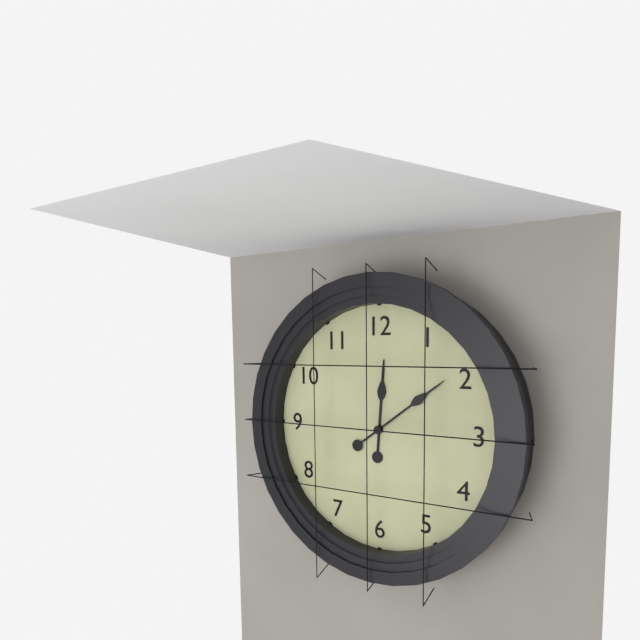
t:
12h09
